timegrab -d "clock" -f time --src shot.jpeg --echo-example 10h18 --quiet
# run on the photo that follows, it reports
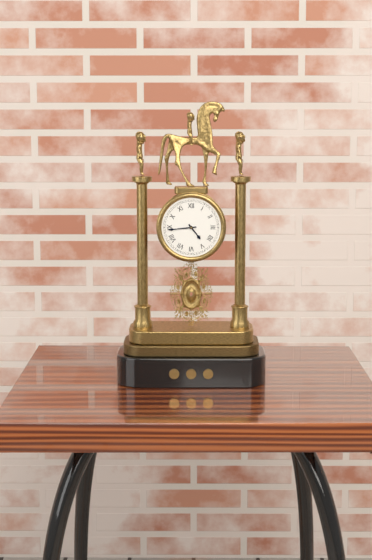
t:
4h44
